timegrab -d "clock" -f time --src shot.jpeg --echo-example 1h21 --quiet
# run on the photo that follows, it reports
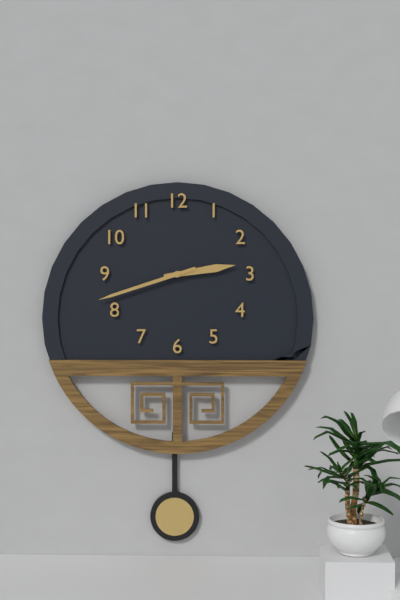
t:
2h42
